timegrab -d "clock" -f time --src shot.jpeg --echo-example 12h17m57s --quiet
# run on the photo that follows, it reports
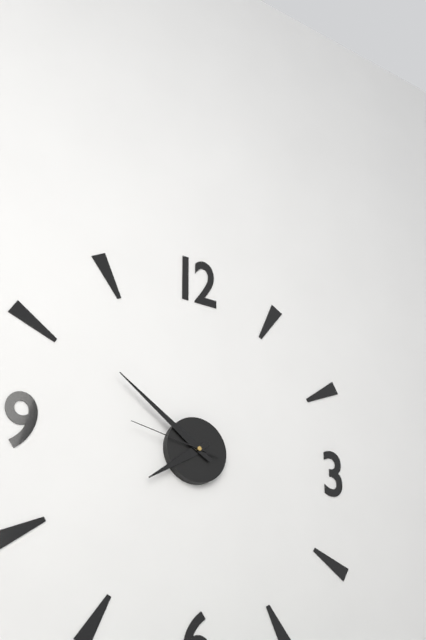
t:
7h51m47s
